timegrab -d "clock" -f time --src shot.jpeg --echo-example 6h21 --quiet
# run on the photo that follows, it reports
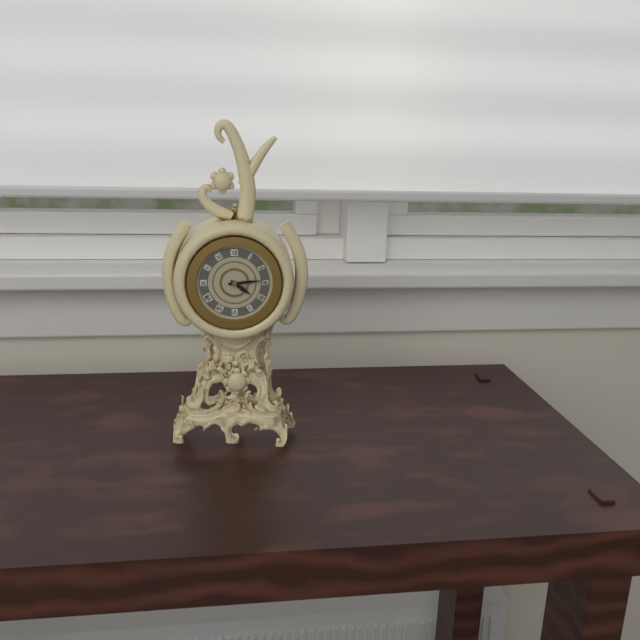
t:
4h14
